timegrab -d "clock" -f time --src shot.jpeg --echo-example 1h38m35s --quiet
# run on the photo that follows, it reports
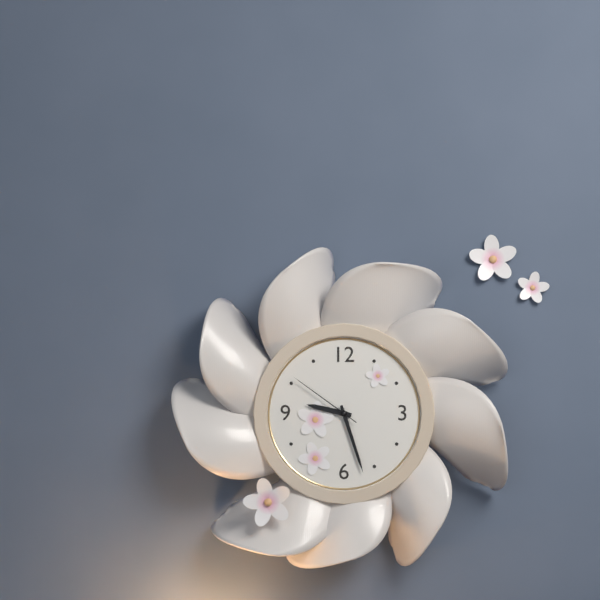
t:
9h27m51s
